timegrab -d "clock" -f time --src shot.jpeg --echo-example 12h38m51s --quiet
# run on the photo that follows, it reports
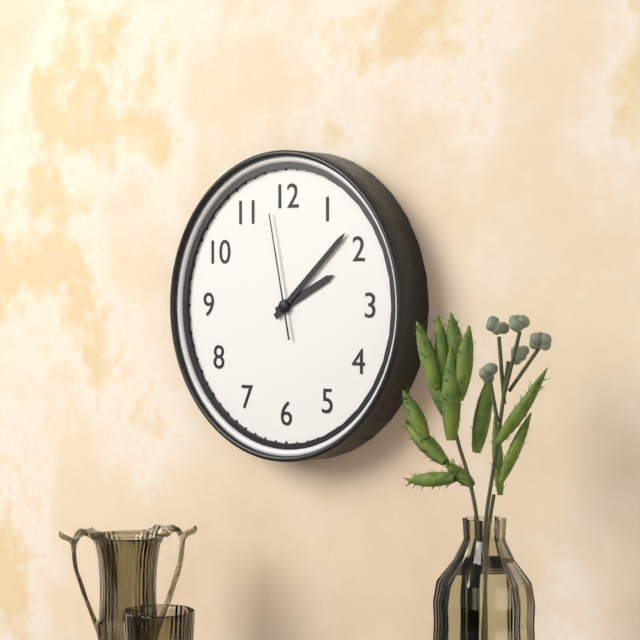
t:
2h08m58s
